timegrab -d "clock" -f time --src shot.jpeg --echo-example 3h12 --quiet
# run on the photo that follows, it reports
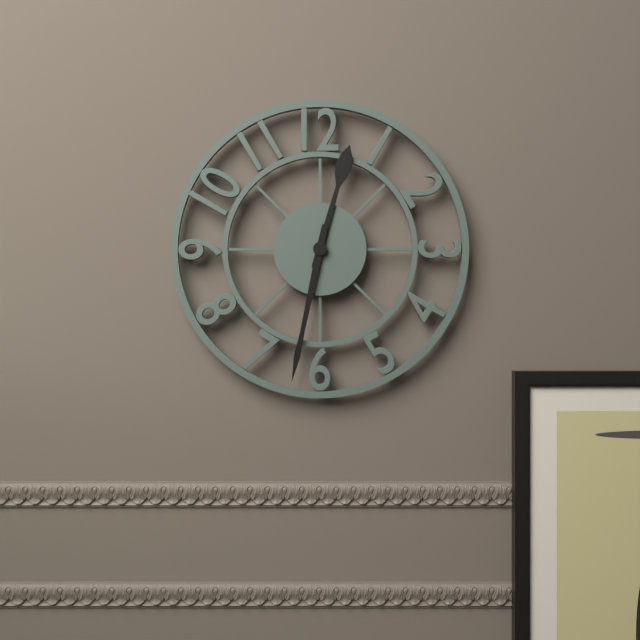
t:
12h32
